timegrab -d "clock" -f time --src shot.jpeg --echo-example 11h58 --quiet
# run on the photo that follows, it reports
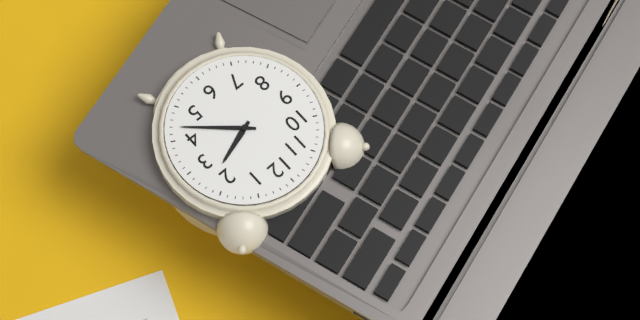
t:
2h22
